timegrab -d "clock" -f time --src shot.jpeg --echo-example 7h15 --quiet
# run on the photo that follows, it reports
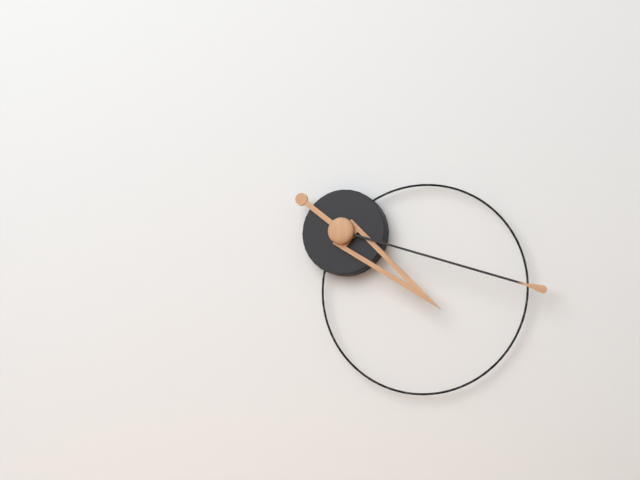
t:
4h18
